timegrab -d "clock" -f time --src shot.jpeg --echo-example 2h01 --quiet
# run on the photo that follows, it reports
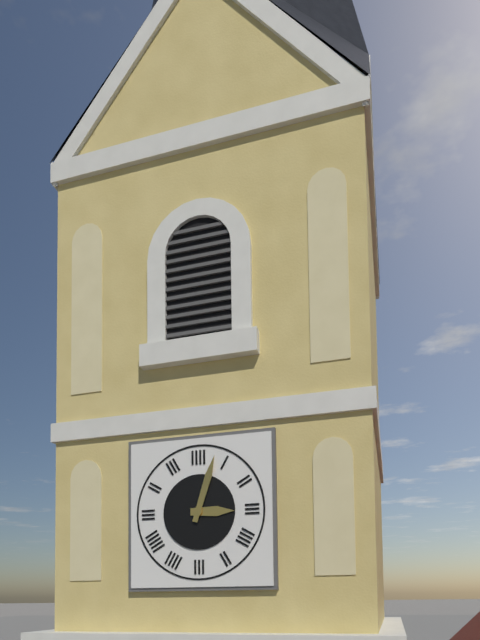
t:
3h03
